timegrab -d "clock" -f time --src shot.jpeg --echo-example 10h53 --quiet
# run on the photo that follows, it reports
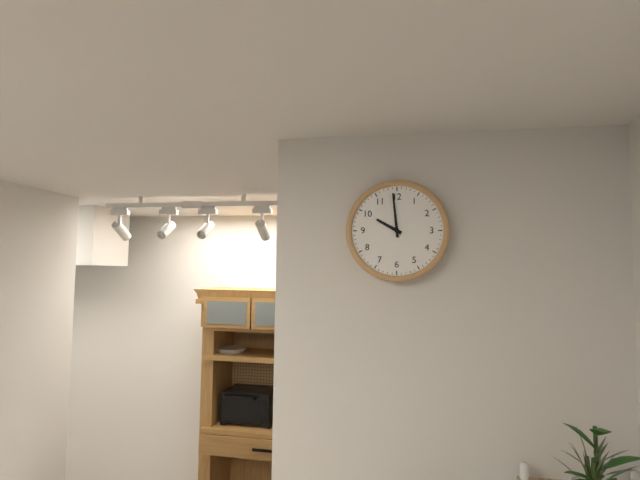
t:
9h59
